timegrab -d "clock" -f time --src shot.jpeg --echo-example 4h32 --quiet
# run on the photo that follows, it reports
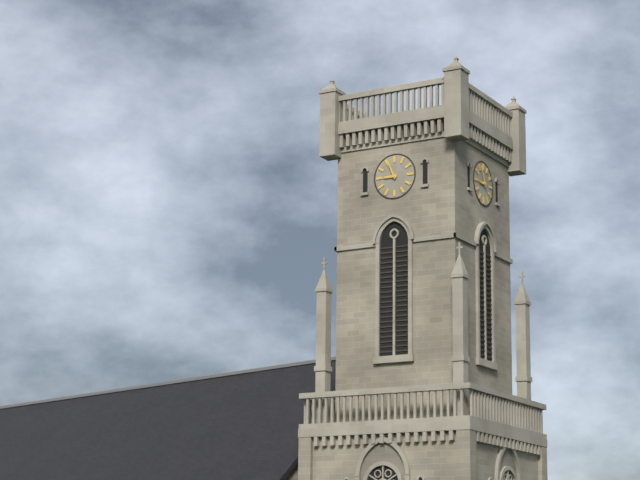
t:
8h56
